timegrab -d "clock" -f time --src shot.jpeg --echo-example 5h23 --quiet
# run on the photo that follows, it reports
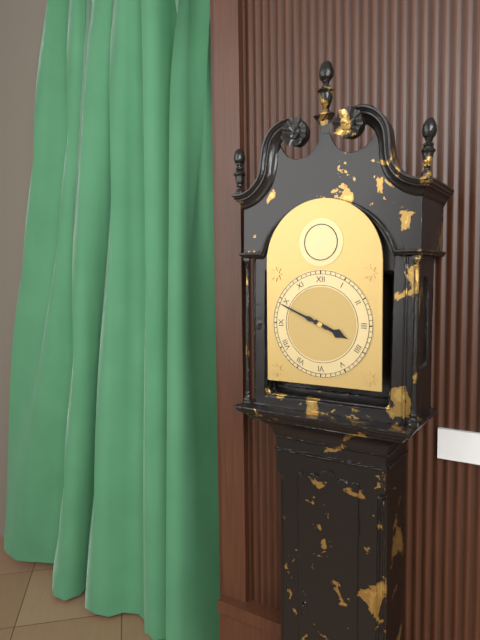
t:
3h49
